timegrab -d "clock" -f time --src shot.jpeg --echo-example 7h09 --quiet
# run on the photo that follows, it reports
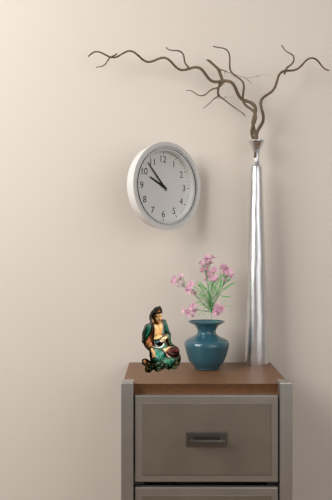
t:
9h53
